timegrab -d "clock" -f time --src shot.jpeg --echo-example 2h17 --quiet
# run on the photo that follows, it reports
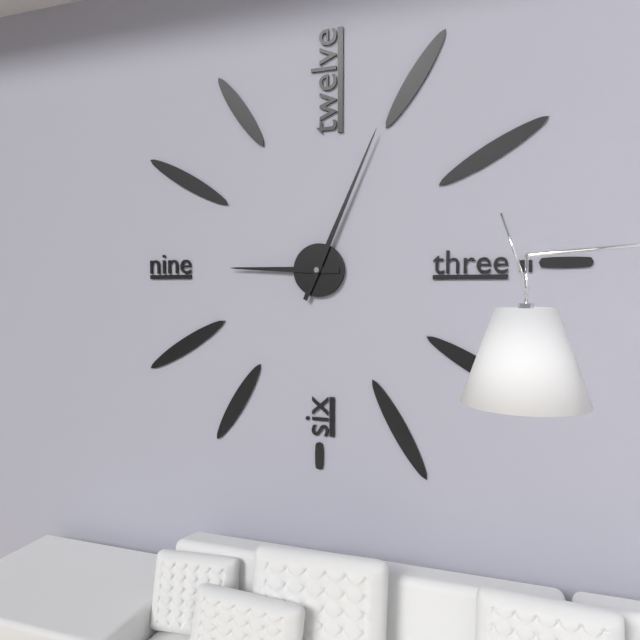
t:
9h04
